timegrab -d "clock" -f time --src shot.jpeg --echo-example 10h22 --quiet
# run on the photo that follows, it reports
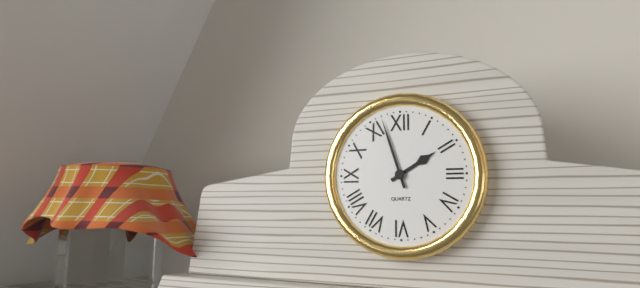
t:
1h57
